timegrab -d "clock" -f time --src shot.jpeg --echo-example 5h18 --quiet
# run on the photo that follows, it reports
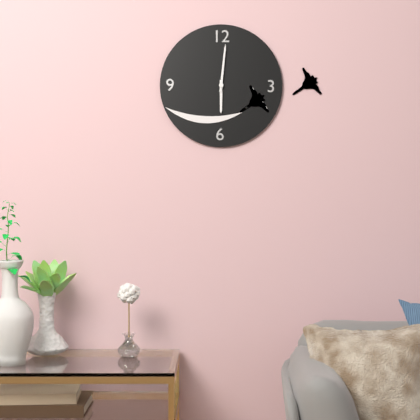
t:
6h01
